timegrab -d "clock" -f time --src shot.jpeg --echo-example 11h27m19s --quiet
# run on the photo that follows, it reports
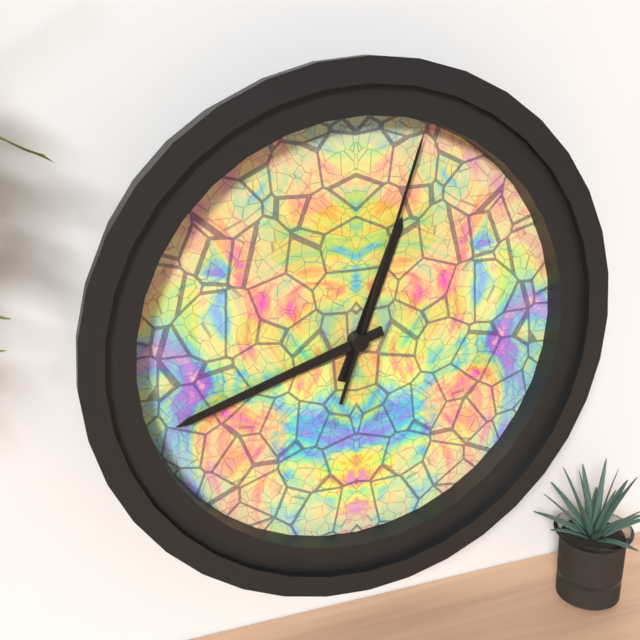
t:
12h42m03s
